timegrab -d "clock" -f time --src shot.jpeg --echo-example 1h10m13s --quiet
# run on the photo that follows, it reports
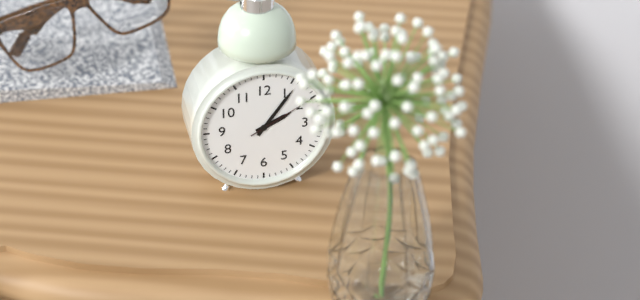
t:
2h06m10s
